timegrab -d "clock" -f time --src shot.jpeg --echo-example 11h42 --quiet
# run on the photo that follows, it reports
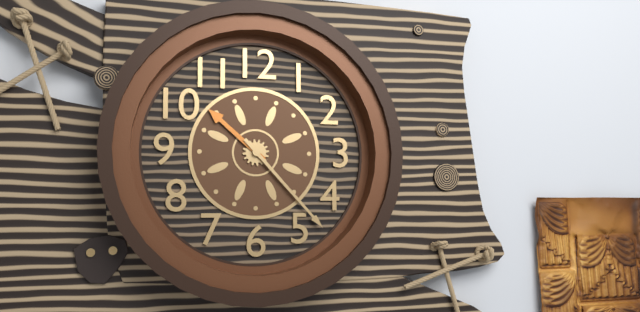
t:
10h23
